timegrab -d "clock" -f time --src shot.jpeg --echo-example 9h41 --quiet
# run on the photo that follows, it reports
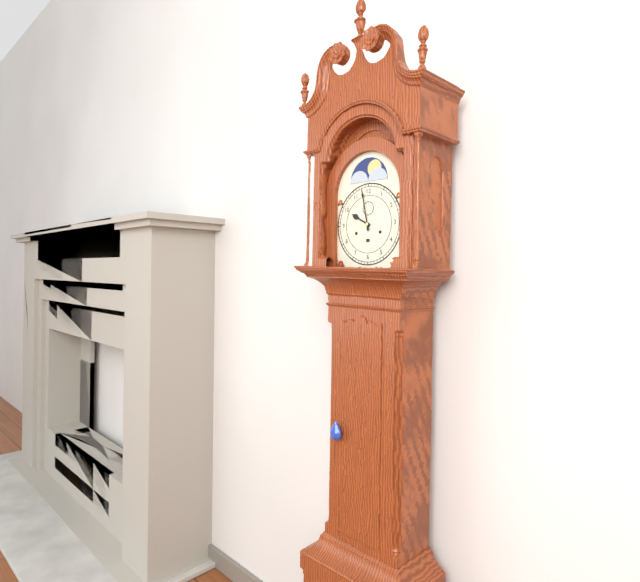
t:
9h58
